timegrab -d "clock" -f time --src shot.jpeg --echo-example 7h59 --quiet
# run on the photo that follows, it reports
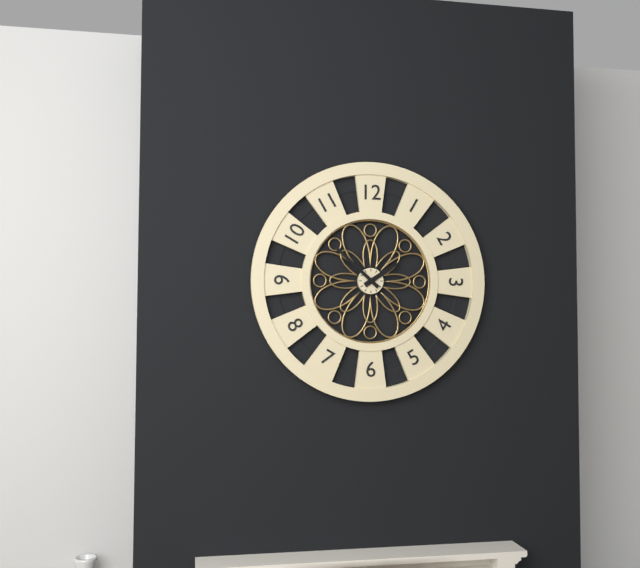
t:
1h52
